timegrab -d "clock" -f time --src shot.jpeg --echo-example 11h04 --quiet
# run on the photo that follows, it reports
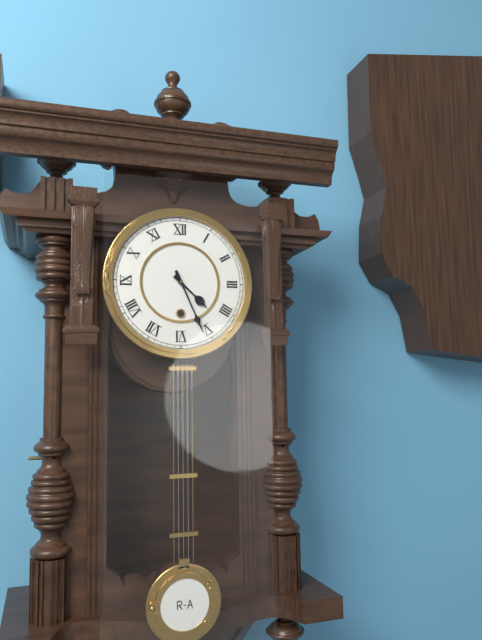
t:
4h26
